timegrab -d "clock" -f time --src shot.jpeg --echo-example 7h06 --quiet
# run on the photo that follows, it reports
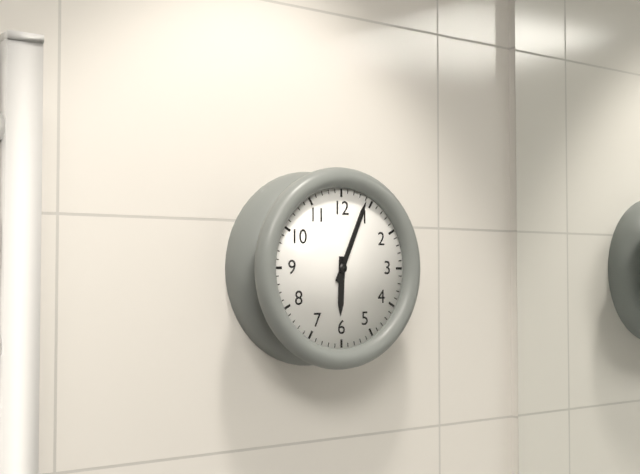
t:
6h04
